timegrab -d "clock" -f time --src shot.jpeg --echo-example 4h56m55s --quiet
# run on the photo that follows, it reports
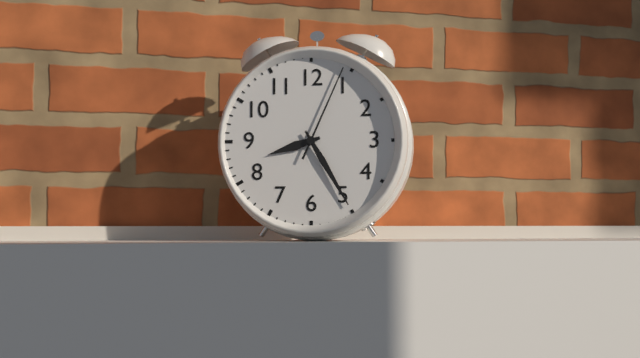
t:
8h25m04s
